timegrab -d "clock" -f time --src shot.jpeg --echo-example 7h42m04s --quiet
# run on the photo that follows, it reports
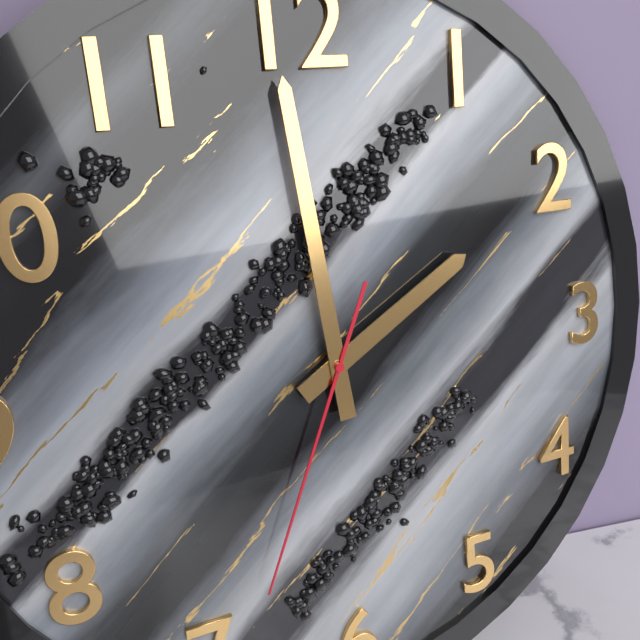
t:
1h59m34s
